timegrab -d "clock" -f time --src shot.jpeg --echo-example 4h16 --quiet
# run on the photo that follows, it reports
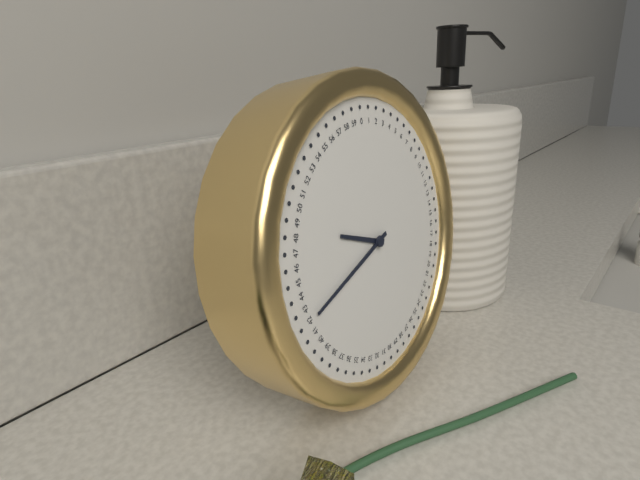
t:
9h42
